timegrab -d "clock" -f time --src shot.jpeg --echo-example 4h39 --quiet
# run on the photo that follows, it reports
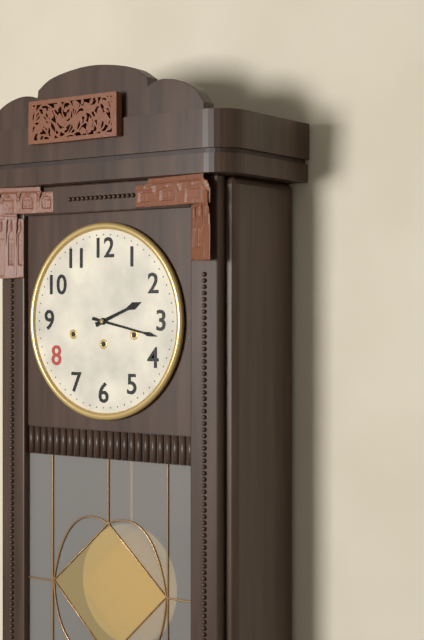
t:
2h17
